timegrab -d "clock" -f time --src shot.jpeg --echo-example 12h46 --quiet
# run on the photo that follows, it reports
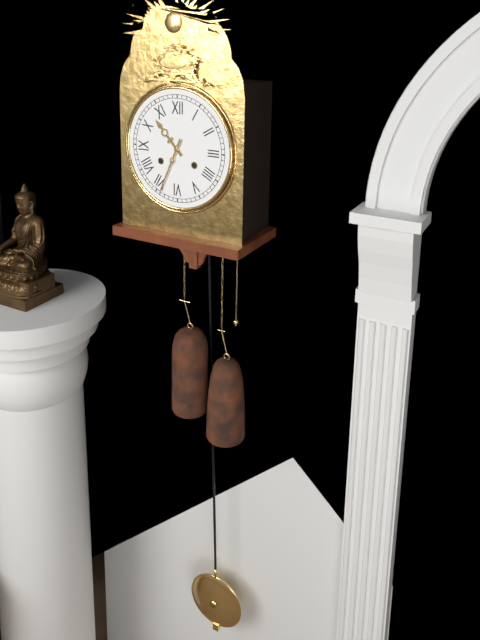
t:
10h34
